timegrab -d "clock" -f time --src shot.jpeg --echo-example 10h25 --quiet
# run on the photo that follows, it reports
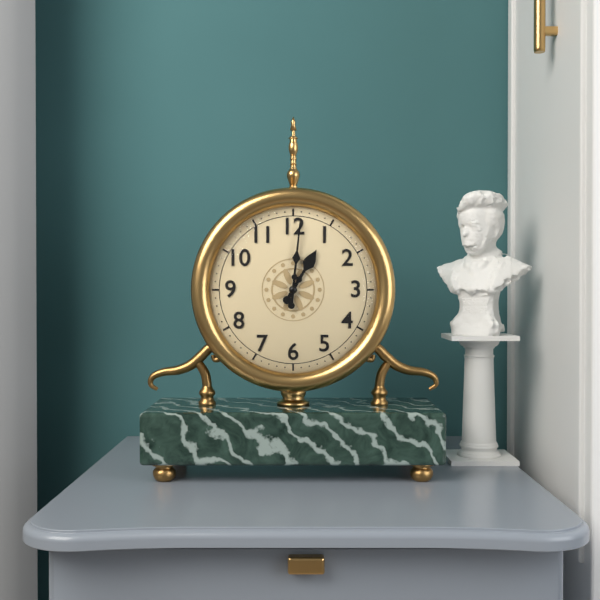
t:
1h01
